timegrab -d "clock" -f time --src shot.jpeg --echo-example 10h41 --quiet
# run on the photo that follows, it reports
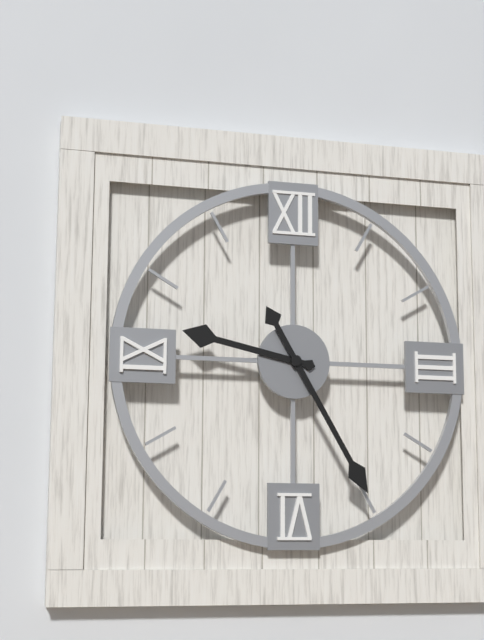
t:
9h25
